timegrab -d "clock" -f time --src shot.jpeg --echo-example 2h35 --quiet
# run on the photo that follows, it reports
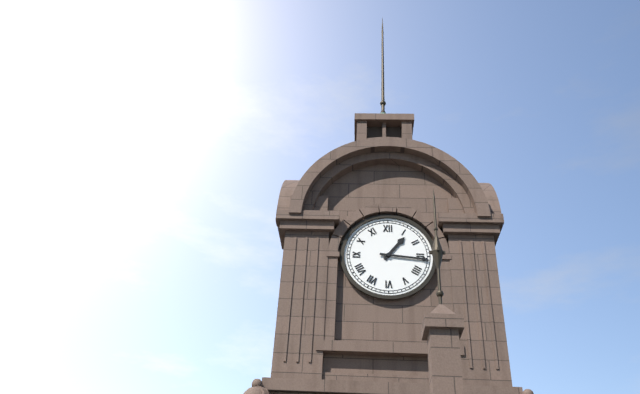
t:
1h16
